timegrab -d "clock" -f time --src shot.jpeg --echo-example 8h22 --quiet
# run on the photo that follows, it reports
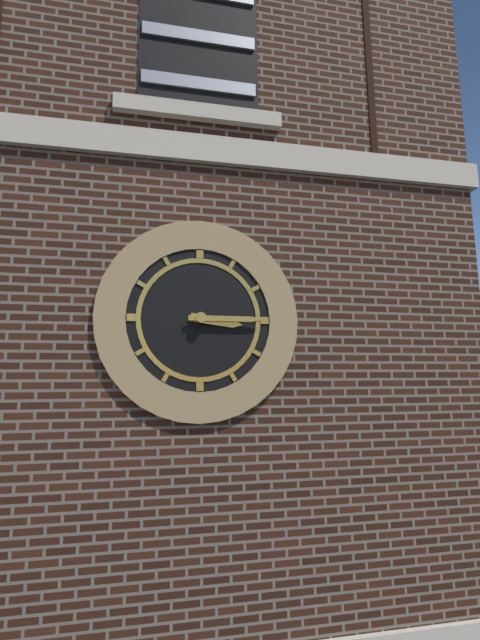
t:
3h15
